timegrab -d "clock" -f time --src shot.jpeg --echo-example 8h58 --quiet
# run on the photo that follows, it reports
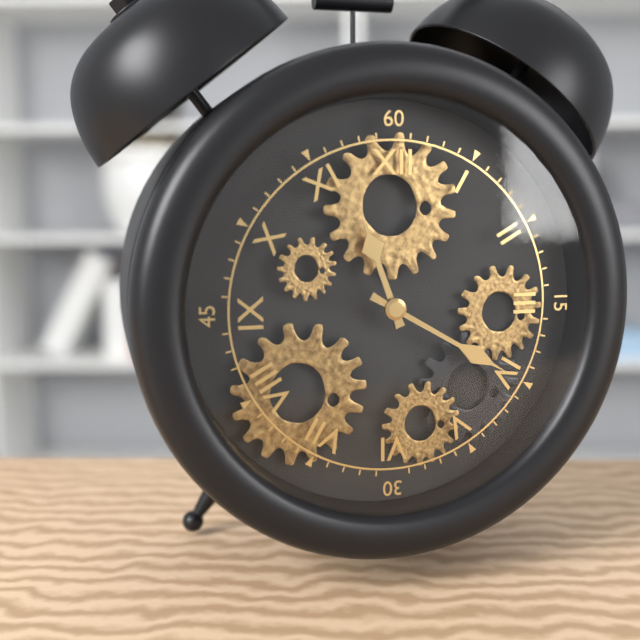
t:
11h20
